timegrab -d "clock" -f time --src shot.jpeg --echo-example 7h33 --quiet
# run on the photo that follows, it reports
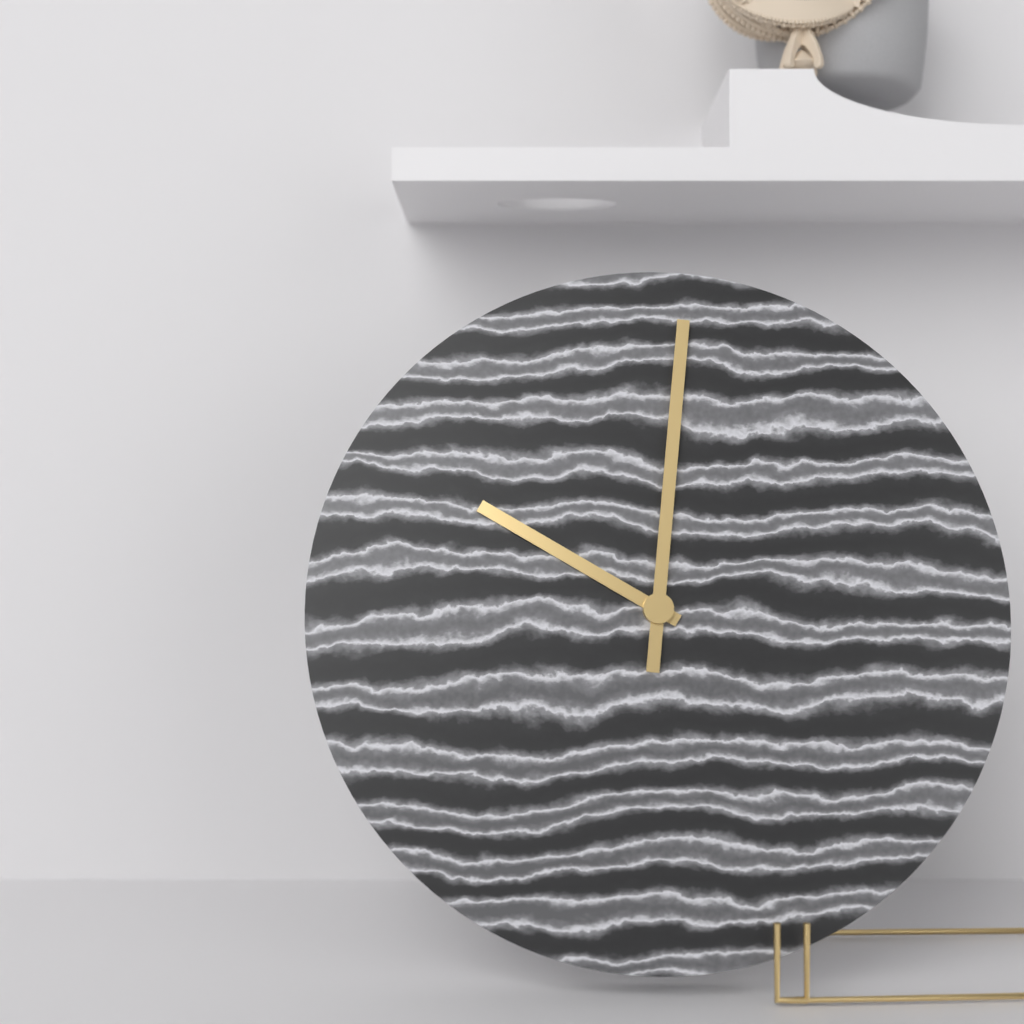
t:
10h01
